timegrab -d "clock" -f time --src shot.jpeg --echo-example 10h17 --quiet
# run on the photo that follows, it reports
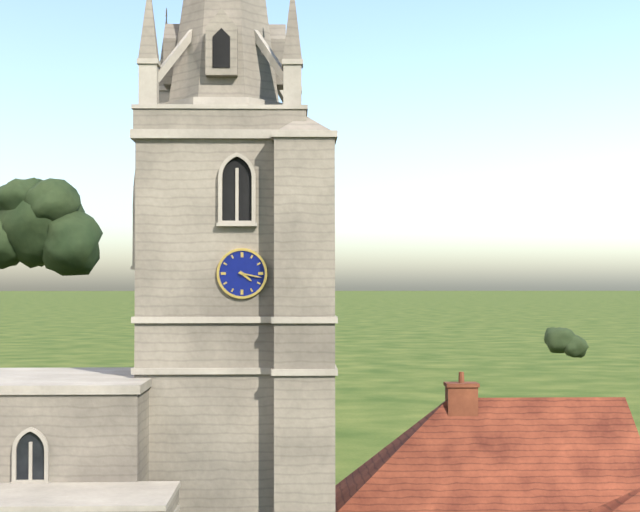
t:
4h17
